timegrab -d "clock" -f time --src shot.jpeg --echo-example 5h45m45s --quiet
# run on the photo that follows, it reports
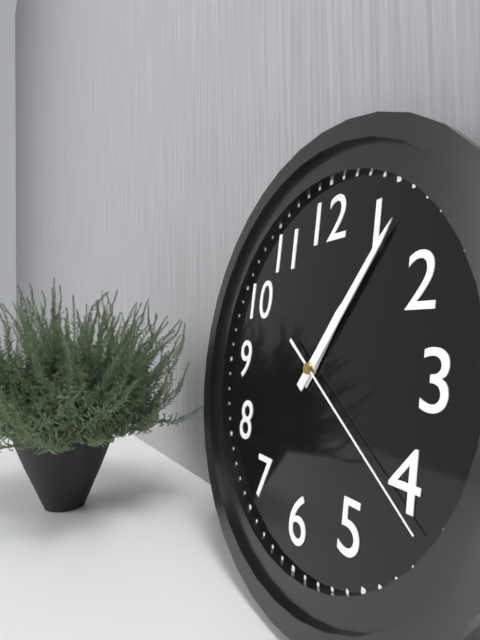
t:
1h06m21s
